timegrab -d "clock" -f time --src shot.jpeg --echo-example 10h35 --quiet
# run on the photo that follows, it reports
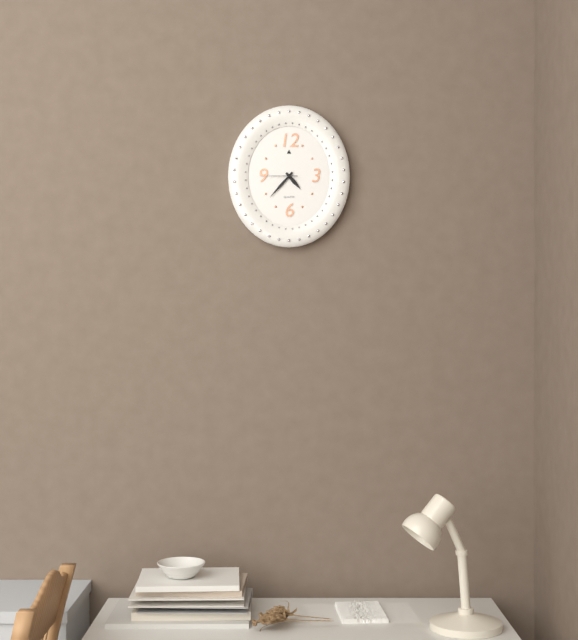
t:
4h37
